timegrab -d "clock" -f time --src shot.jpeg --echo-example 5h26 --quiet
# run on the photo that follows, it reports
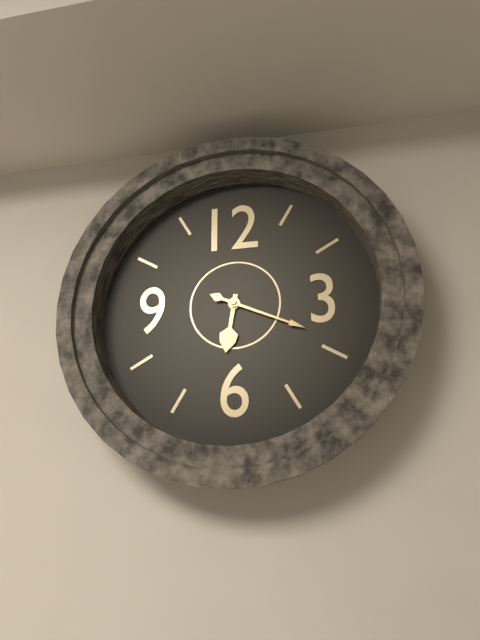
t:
6h19
